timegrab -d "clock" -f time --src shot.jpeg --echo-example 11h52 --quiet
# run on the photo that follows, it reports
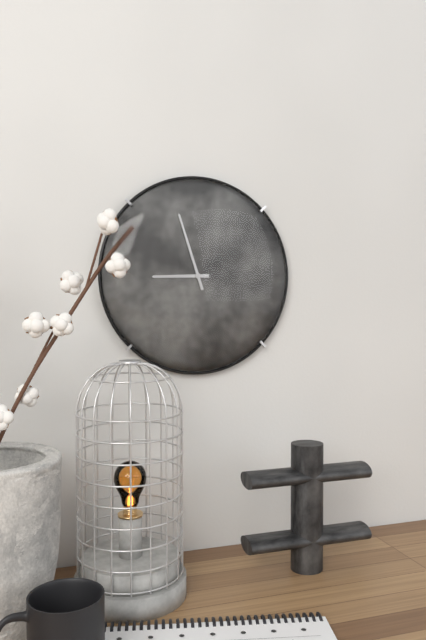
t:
8h57
